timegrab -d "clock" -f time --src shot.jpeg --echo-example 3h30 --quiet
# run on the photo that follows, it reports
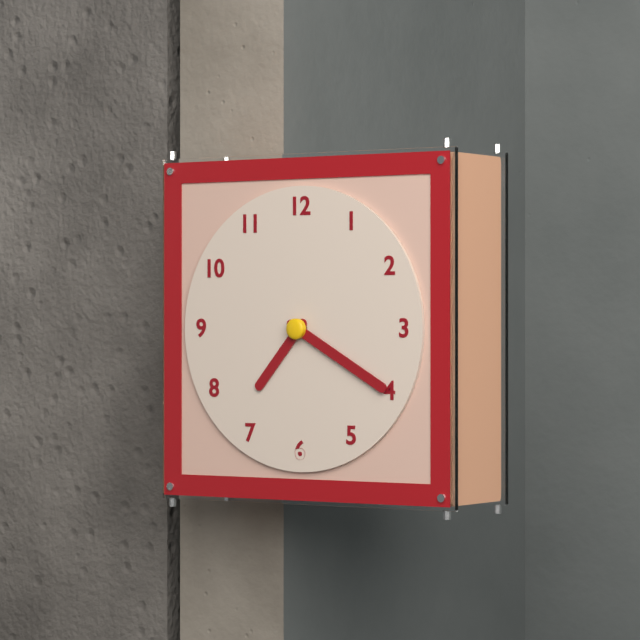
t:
7h20
